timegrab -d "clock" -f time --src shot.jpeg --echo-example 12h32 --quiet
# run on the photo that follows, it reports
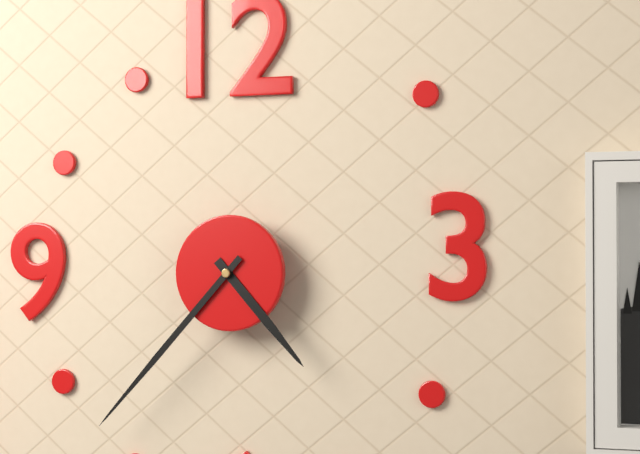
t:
4h37
